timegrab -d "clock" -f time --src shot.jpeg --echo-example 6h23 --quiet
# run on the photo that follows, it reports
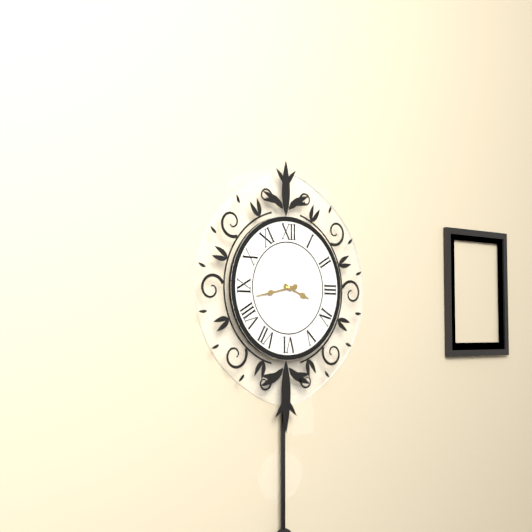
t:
3h43
